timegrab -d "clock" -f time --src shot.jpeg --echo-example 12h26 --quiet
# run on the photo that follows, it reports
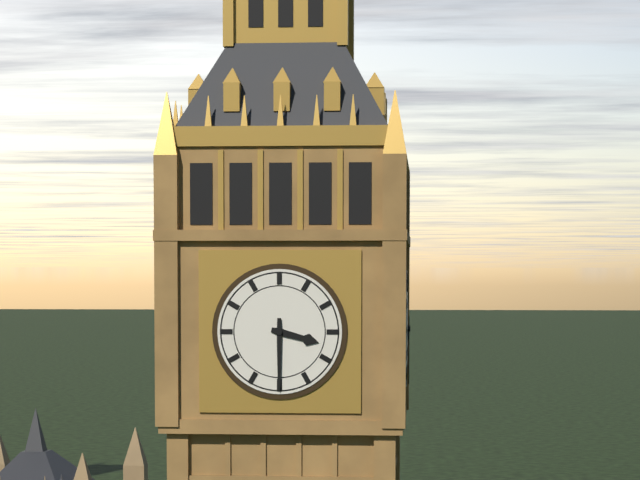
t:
3h30
